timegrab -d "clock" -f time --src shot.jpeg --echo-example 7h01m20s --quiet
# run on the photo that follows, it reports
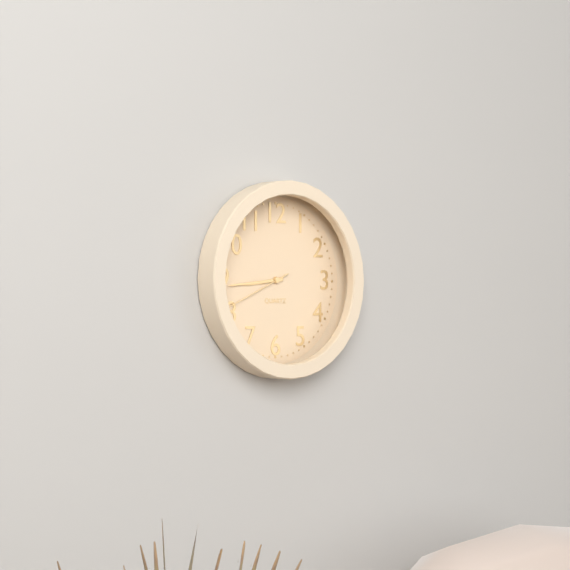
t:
8h44m41s
